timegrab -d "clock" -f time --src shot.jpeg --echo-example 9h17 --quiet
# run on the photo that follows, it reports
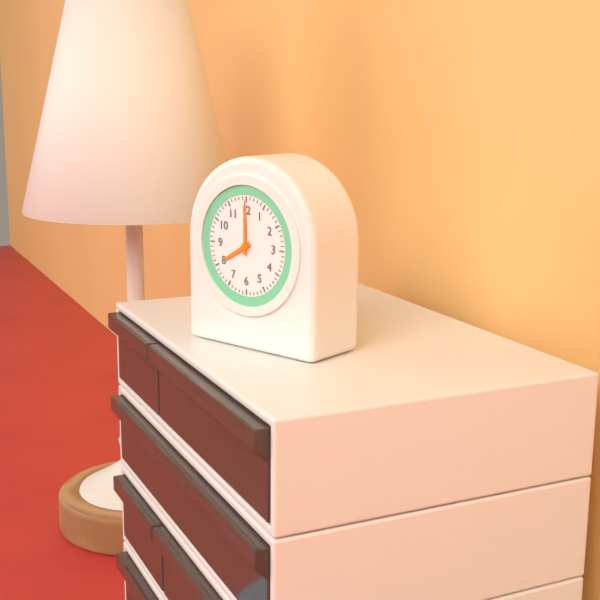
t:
8h00
